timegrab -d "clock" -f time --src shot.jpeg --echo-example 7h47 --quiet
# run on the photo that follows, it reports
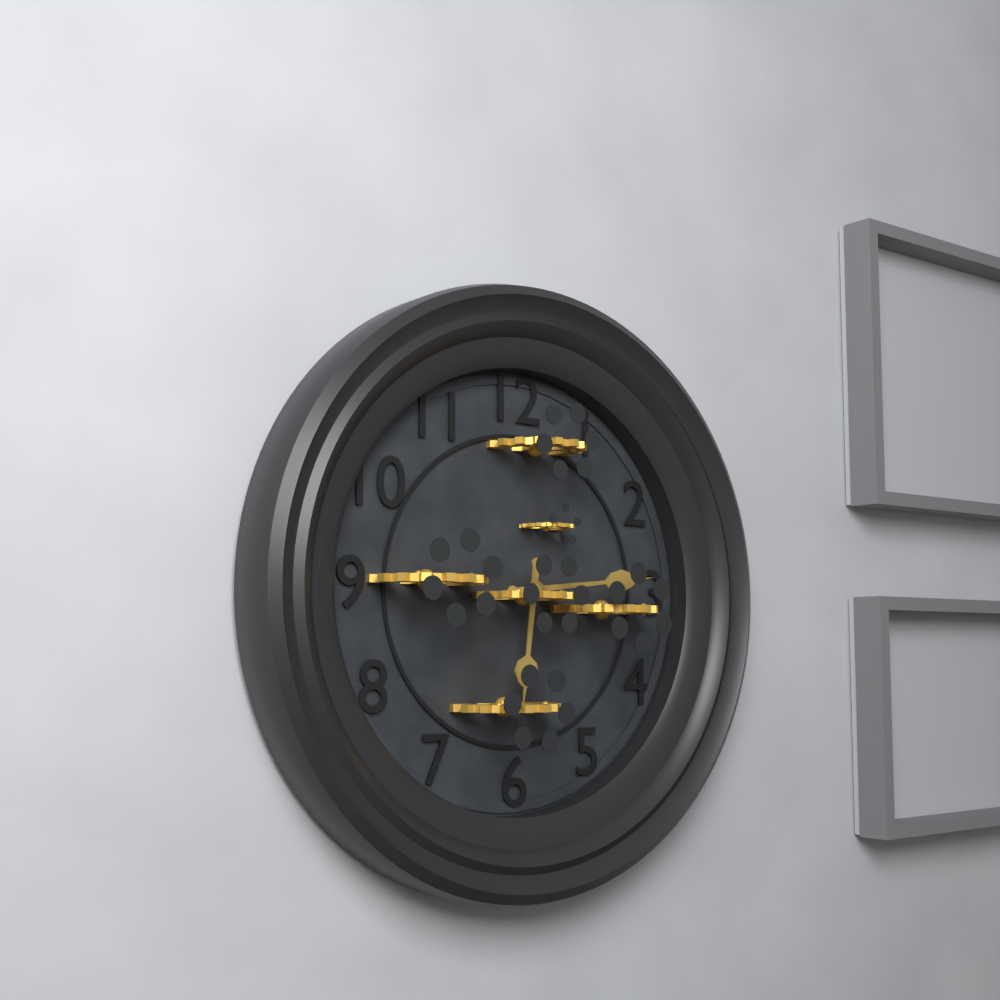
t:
6h14
